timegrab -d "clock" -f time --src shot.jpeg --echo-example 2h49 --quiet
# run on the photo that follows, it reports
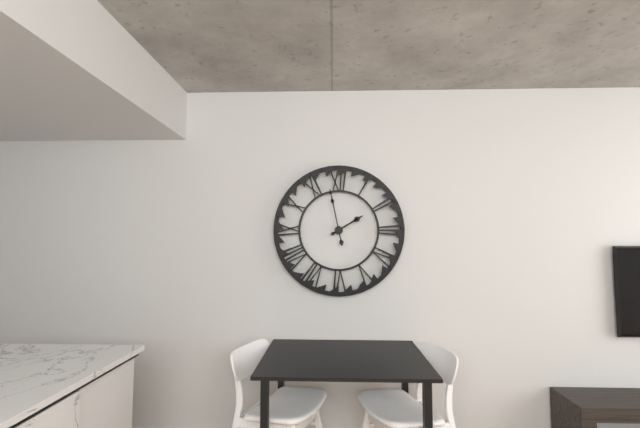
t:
1h58
